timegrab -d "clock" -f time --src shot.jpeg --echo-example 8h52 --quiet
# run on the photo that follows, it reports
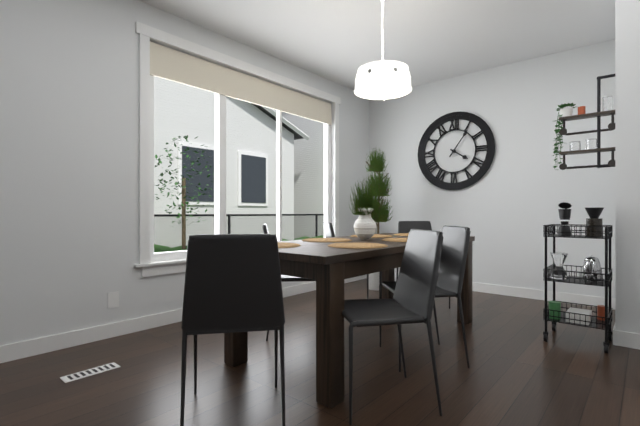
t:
4h06
